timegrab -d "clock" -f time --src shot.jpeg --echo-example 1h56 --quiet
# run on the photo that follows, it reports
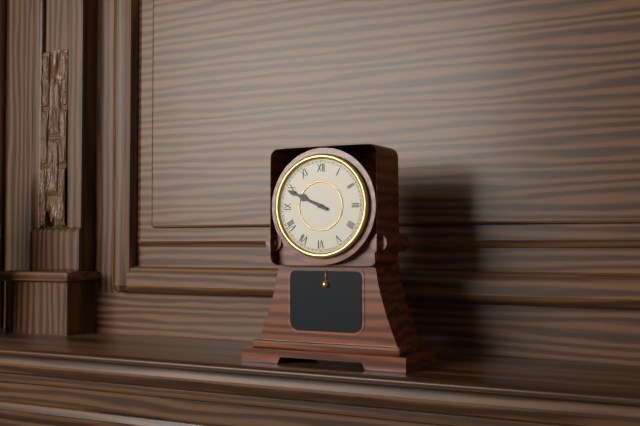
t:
9h49
